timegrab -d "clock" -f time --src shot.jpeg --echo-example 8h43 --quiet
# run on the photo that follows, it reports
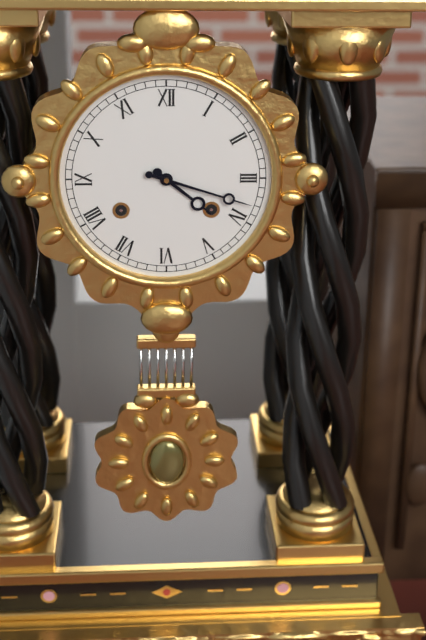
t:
4h18
